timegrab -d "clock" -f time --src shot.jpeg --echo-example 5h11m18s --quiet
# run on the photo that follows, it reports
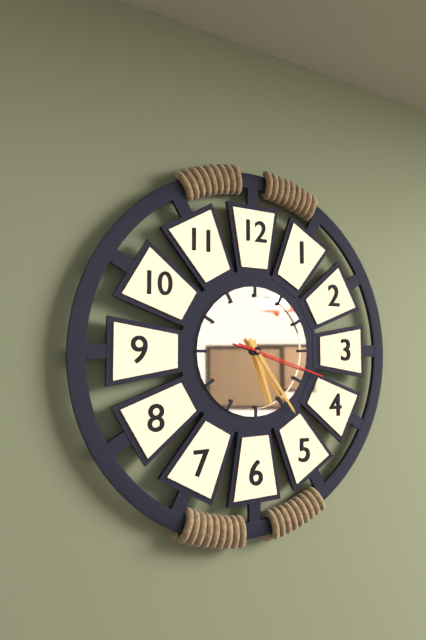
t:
5h24m18s
